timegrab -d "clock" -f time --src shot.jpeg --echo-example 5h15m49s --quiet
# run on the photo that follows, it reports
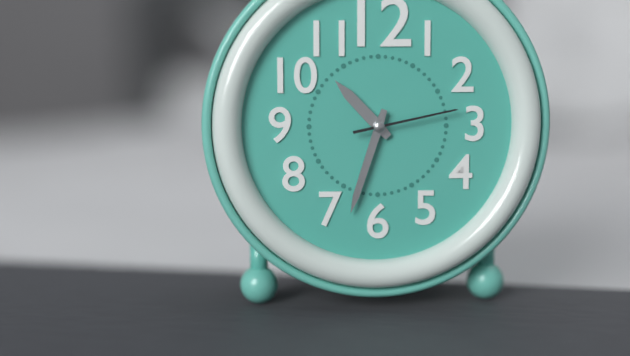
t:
10h33m13s
